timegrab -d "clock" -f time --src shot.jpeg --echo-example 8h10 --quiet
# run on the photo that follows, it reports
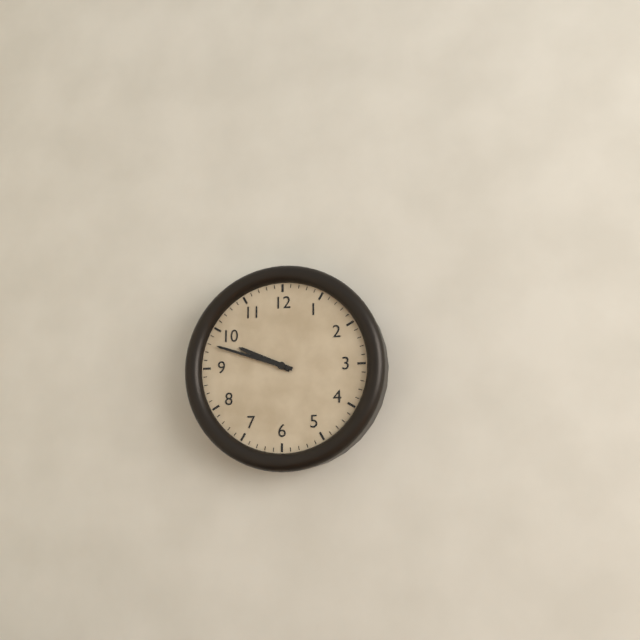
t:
9h48
